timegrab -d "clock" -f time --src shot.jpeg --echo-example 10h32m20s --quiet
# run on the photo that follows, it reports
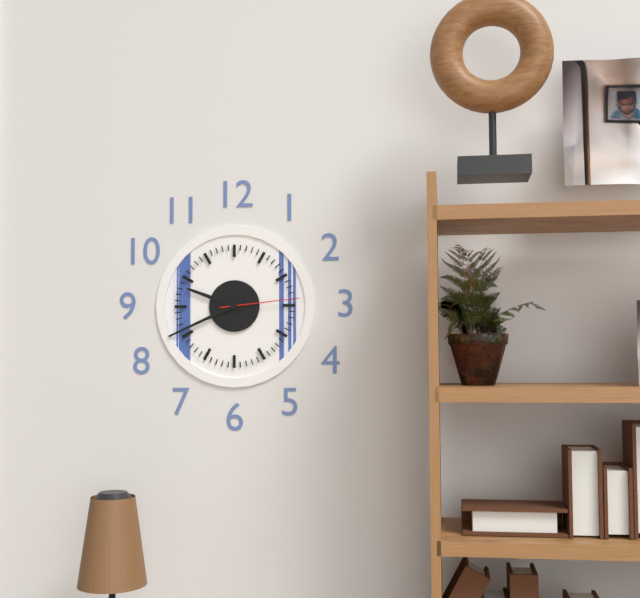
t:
9h41m14s
